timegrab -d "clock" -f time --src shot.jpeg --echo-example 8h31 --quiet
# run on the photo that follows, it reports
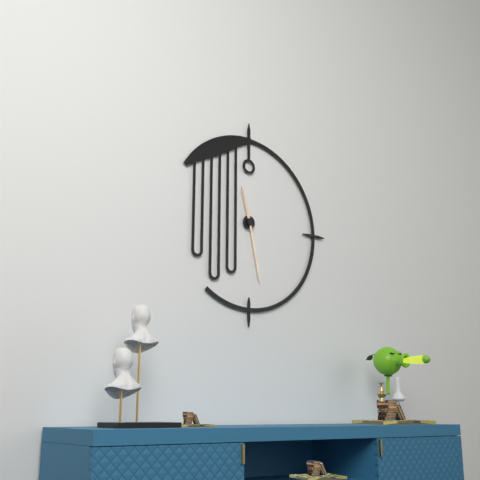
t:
11h28
